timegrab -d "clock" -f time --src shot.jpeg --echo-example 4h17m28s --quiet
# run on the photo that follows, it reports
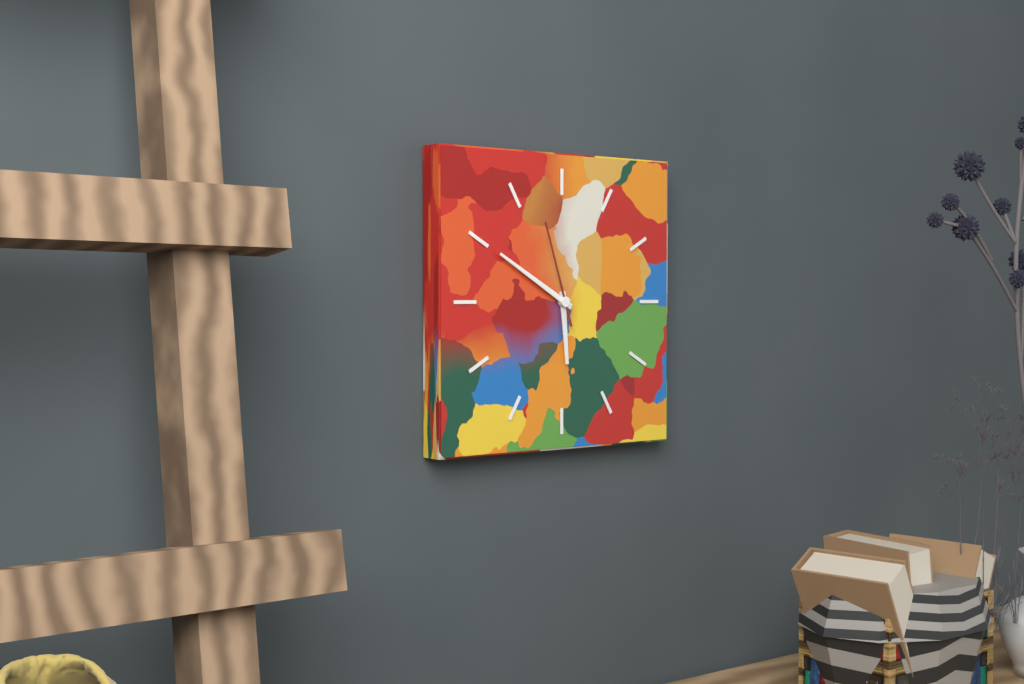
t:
5h50m57s
